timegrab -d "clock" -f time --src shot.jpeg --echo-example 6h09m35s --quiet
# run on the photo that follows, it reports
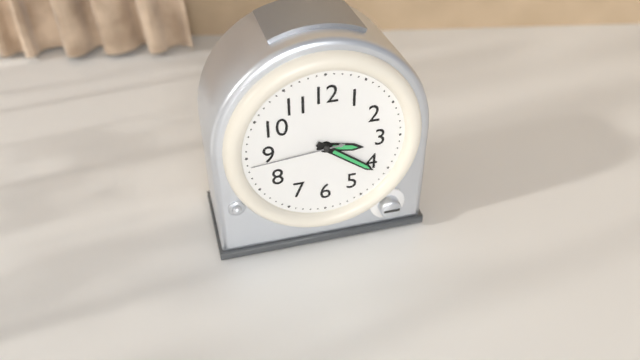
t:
3h21m44s
